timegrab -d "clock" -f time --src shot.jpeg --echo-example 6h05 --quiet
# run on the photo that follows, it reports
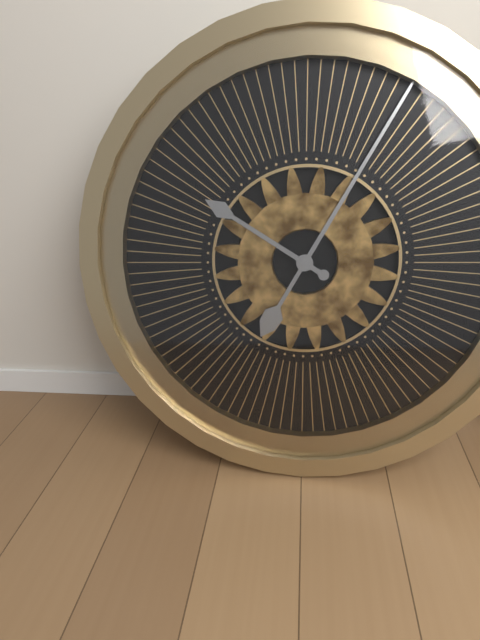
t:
10h05
